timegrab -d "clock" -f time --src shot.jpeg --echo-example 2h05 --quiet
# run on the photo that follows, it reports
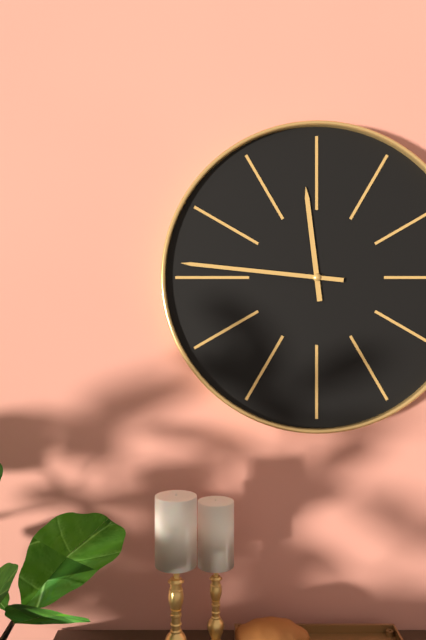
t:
11h46
